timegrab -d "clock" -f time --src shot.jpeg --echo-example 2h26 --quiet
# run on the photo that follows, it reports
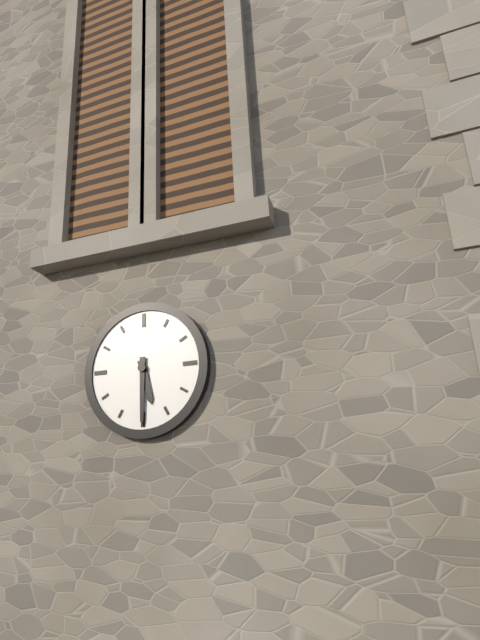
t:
5h30
